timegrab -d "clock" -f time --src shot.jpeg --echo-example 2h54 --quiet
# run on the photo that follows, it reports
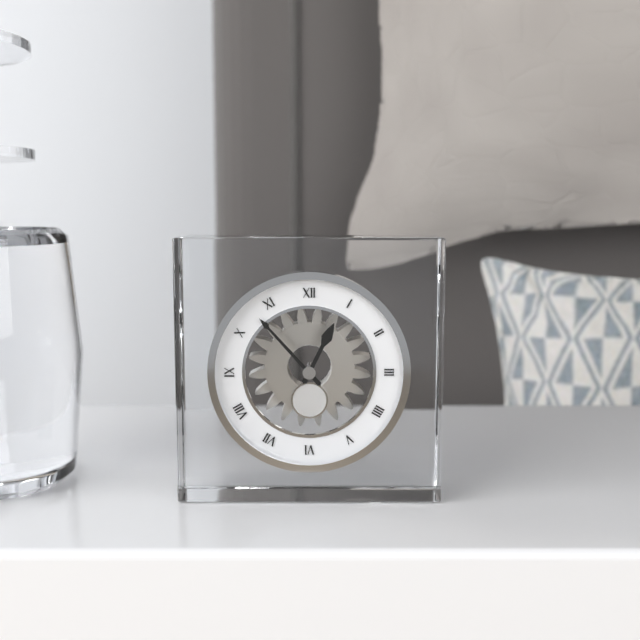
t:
12h53
